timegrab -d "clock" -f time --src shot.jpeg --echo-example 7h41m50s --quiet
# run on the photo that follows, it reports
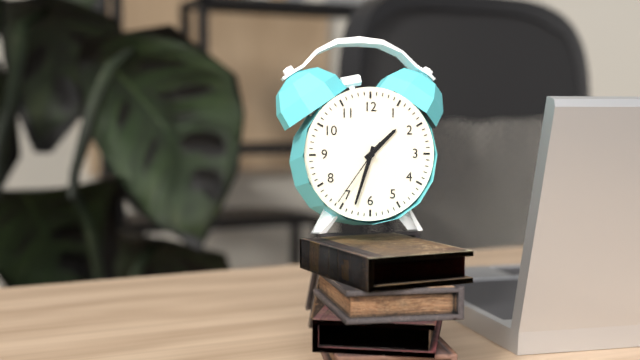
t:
1h33m36s
